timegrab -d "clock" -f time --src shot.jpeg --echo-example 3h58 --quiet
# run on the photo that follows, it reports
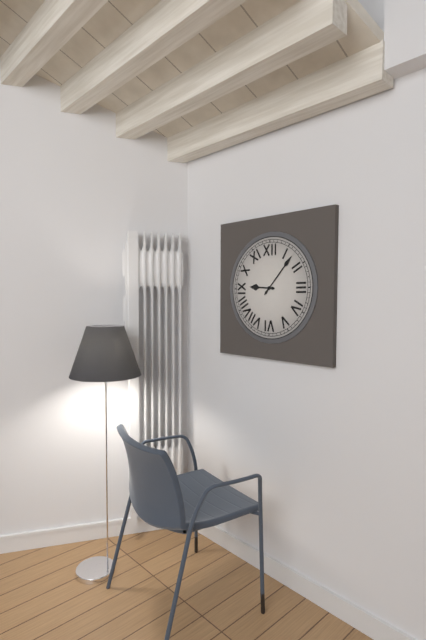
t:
9h07
